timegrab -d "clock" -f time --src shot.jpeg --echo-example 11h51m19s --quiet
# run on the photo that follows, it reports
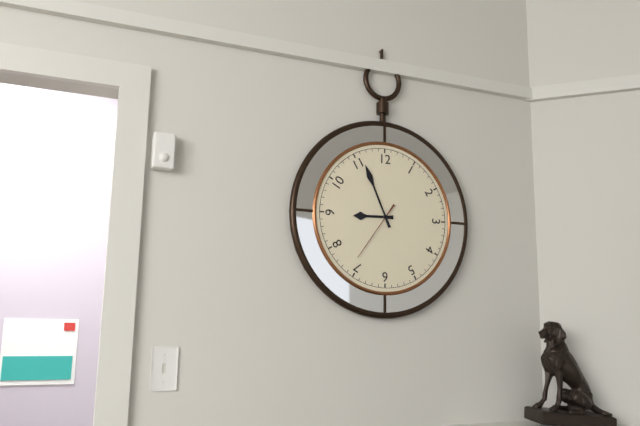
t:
8h56m36s
